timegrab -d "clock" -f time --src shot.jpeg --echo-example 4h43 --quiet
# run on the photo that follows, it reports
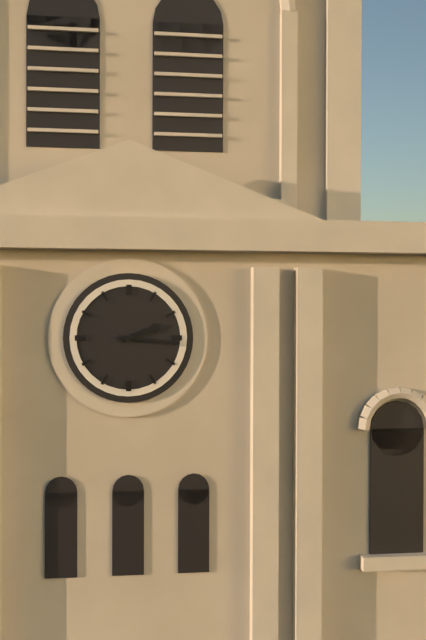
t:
2h16
